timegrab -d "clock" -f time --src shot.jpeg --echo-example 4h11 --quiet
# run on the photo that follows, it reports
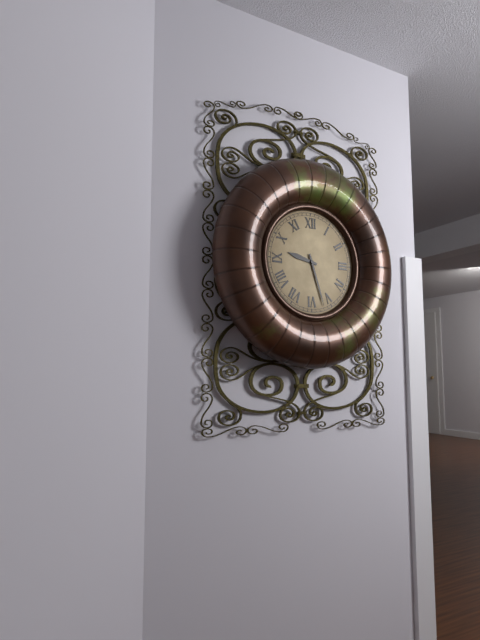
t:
9h27
